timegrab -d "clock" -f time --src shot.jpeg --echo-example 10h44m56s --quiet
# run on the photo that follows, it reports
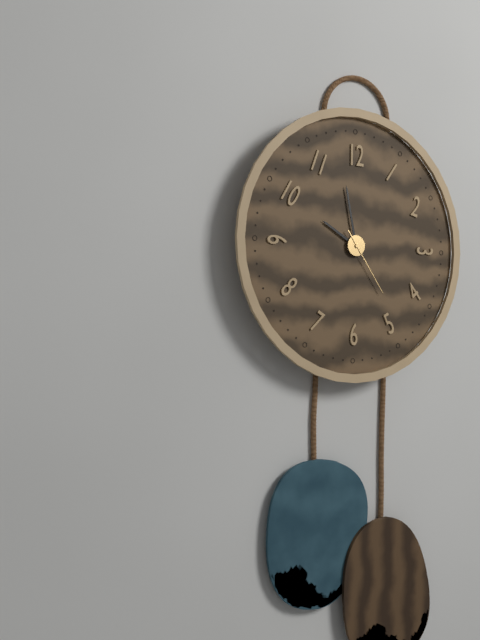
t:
9h58m24s
